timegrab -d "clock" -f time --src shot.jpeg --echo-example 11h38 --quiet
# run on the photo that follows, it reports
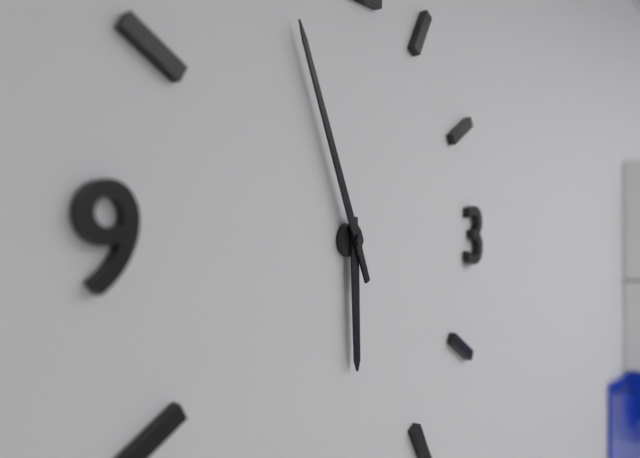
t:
5h56
